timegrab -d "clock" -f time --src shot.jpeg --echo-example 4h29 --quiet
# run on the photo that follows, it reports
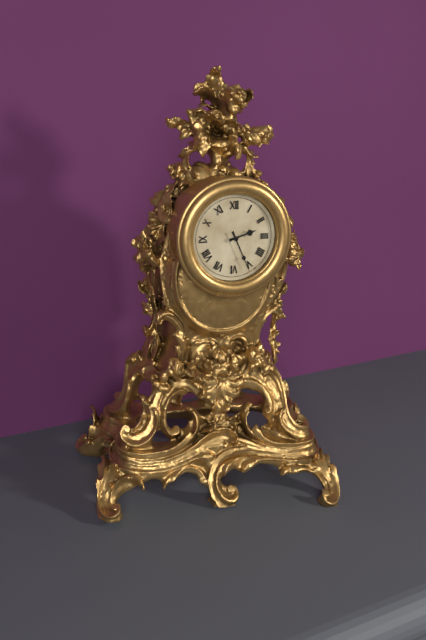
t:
2h26
